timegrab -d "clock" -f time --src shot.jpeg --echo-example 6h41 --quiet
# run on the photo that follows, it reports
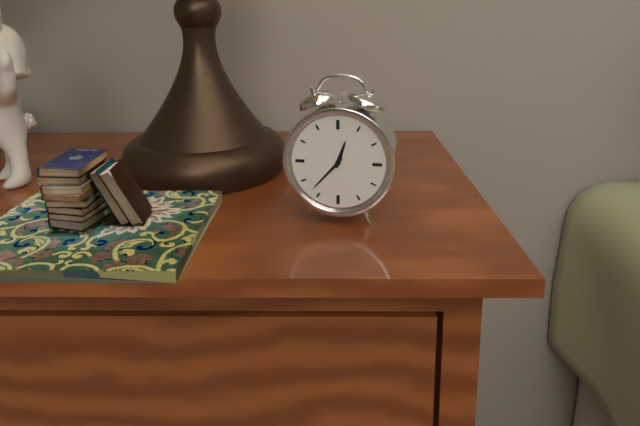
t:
12h37
